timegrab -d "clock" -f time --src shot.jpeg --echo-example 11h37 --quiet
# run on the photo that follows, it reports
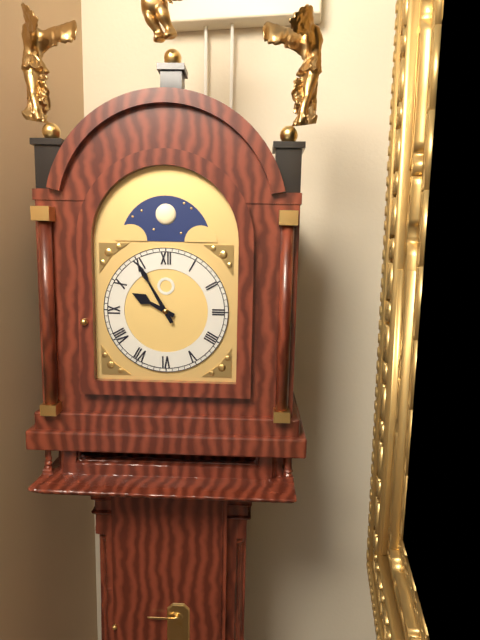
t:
9h55
